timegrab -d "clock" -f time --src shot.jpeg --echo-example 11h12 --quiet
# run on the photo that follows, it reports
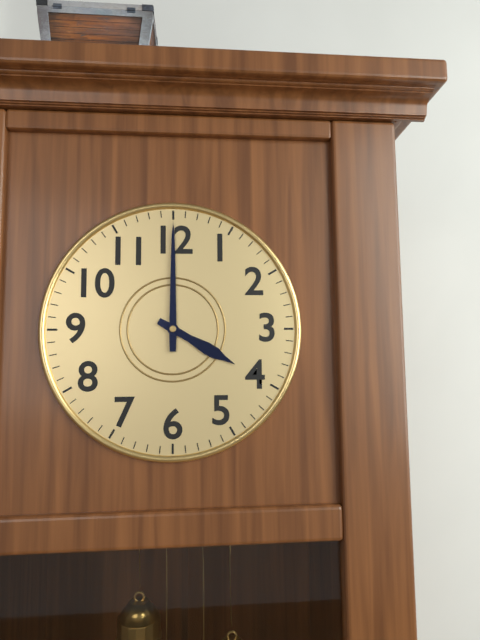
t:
4h00
